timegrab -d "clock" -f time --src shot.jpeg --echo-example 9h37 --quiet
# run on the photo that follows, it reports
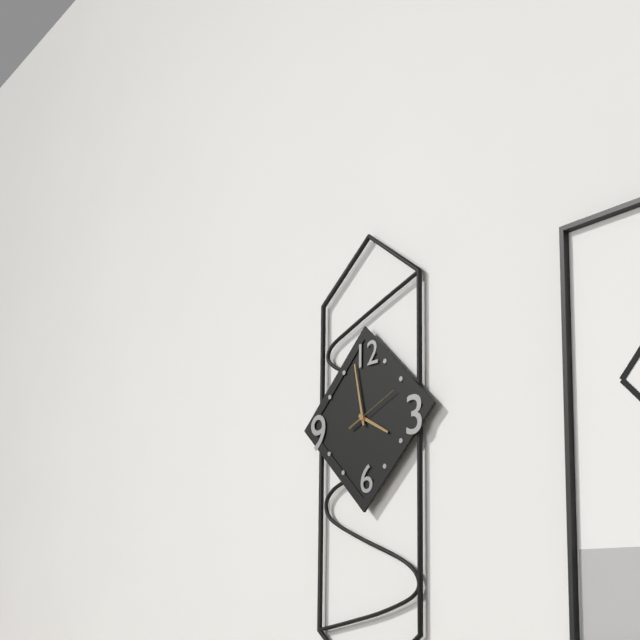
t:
3h58
